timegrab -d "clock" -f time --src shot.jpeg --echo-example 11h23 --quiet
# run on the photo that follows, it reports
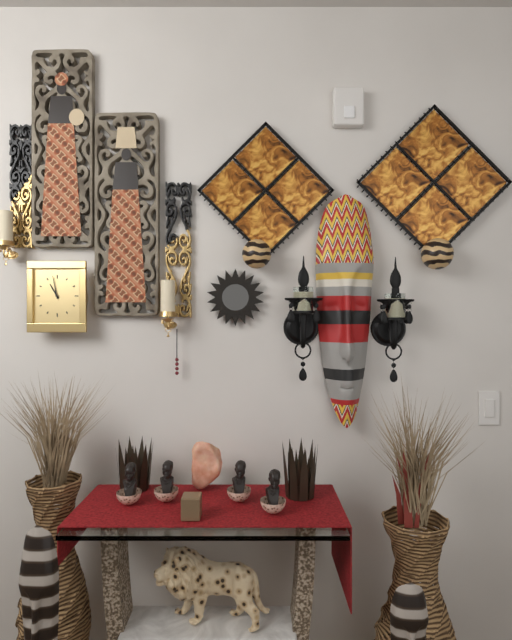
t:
10h58
